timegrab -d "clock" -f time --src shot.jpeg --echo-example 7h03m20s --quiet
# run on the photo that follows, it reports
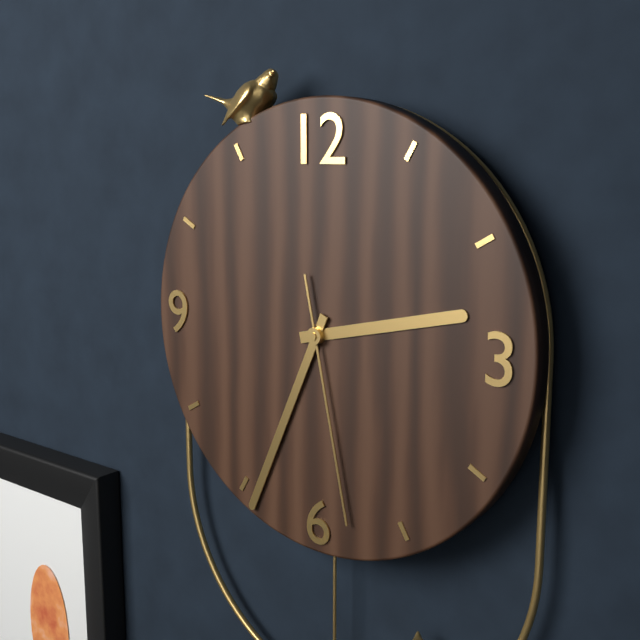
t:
2h34m28s
